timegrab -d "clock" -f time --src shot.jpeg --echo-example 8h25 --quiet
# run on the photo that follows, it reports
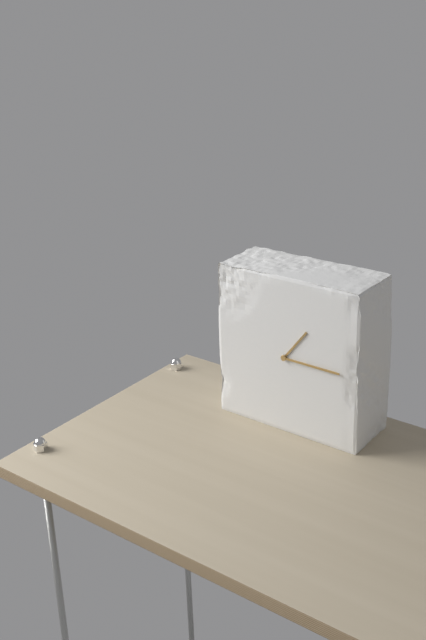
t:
1h15
